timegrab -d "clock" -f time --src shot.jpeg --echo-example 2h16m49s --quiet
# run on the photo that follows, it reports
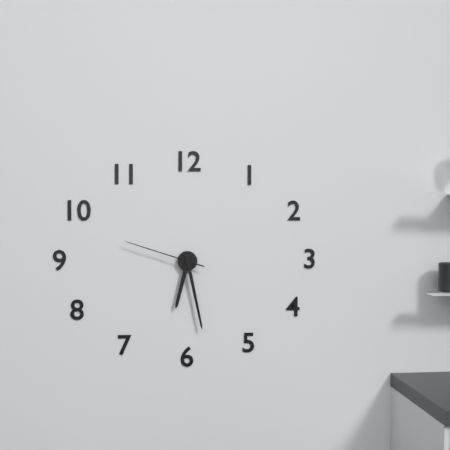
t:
6h28m48s
